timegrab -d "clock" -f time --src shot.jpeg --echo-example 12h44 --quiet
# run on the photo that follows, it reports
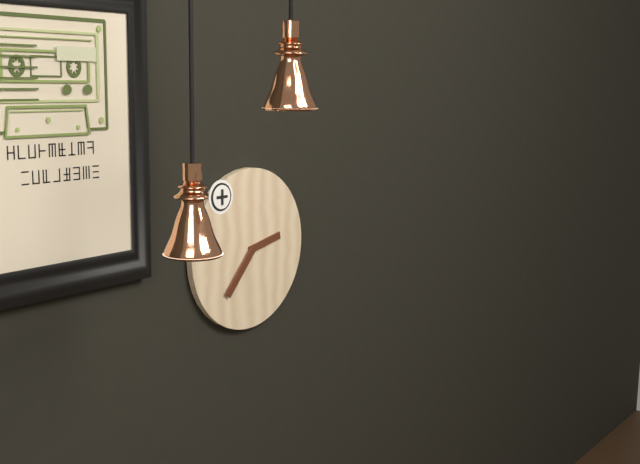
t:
2h37
